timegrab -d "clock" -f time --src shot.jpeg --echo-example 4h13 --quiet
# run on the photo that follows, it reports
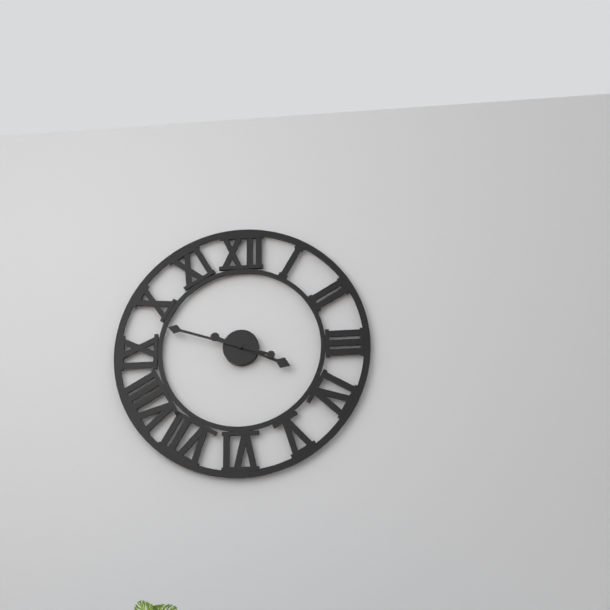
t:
3h48
